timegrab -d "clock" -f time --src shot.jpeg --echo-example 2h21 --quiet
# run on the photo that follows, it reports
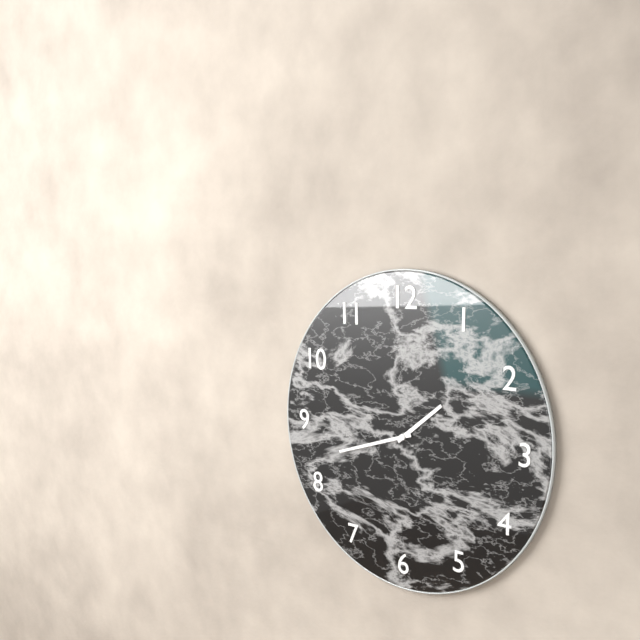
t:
1h42
